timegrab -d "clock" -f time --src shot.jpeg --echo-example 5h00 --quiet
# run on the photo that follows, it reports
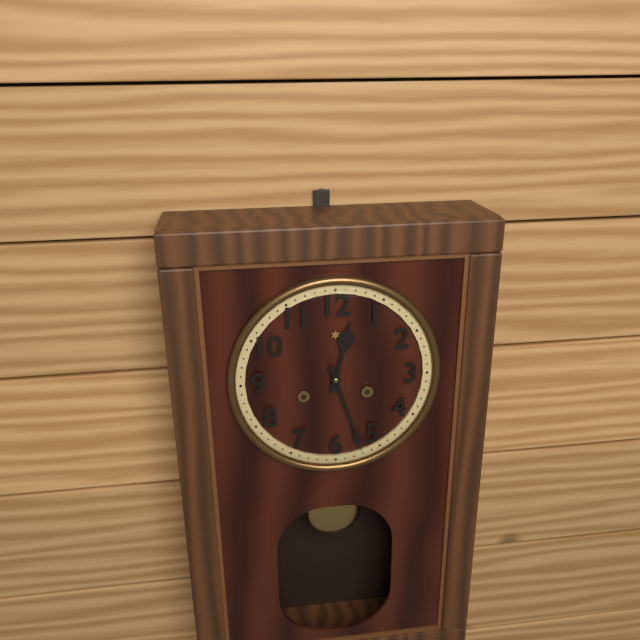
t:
12h27
